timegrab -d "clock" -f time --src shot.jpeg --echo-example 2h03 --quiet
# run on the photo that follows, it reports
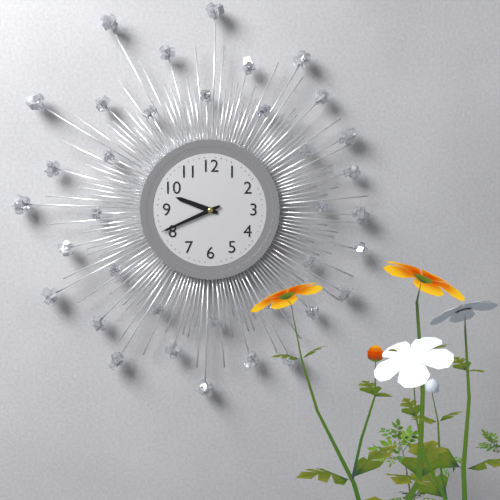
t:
9h41
